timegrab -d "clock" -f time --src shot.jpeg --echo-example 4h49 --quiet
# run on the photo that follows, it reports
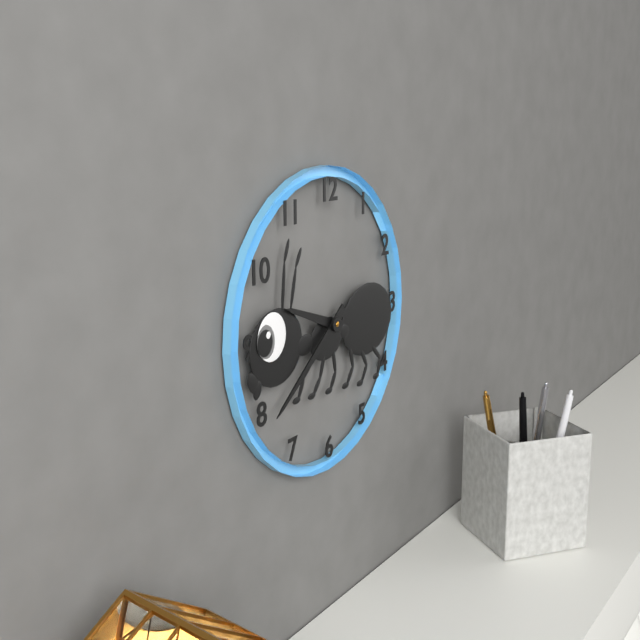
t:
9h39
